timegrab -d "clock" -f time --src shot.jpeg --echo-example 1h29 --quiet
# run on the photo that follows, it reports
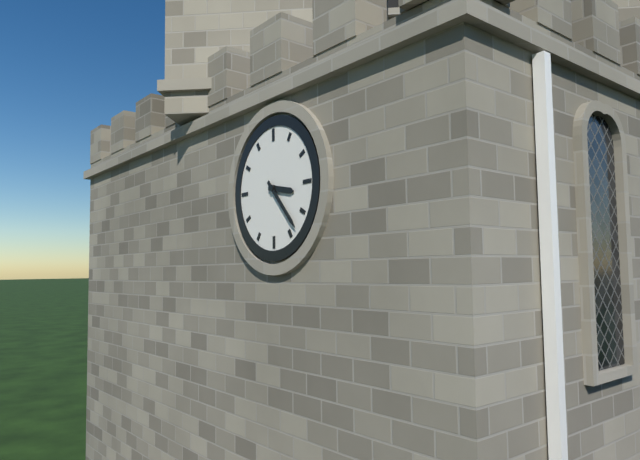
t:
3h23
